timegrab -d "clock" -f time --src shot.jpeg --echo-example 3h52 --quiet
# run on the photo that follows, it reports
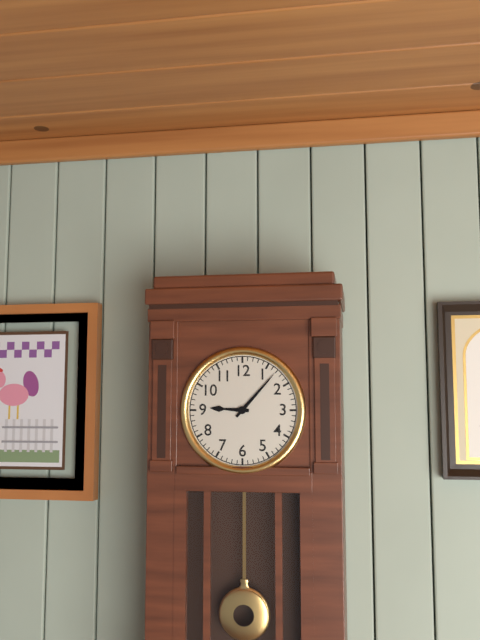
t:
9h07
